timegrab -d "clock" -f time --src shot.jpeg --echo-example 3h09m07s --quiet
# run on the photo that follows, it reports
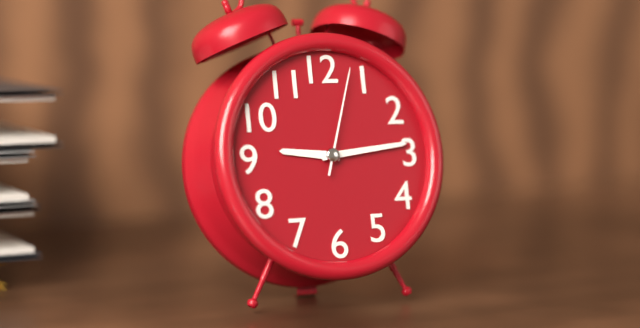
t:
9h14m03s
